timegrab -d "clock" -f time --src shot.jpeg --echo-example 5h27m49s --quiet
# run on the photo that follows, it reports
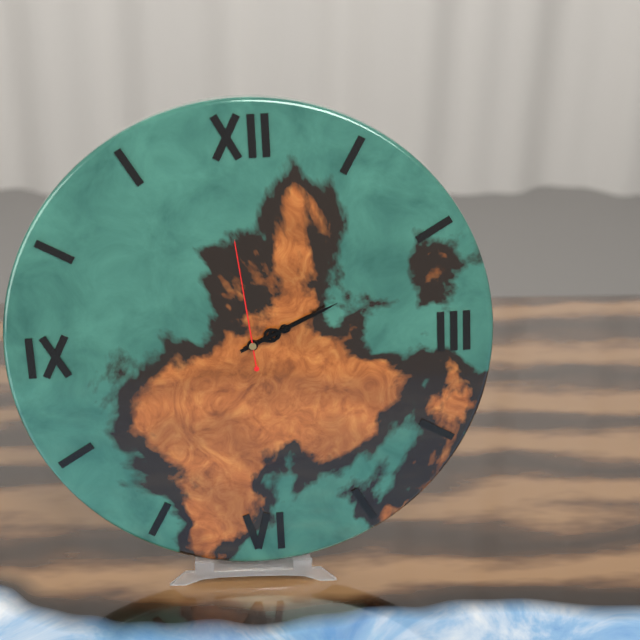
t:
2h11m59s
